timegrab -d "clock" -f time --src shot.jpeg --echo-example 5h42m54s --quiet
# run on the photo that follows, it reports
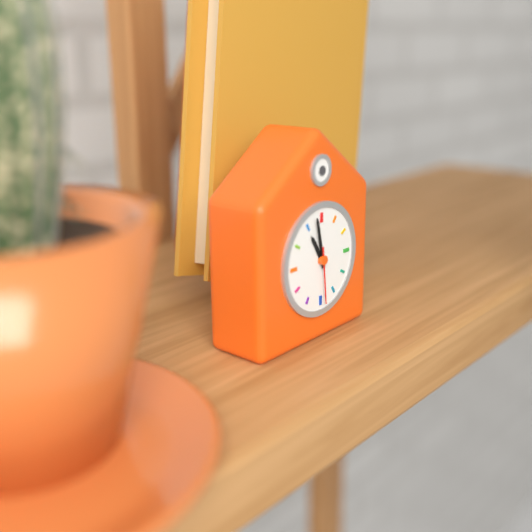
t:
10h58m29s
